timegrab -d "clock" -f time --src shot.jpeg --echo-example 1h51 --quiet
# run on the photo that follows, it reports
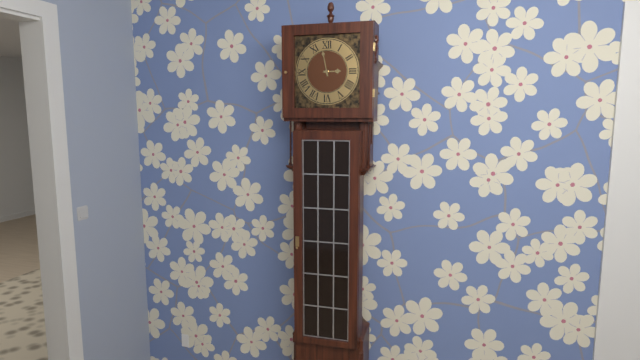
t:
2h58
